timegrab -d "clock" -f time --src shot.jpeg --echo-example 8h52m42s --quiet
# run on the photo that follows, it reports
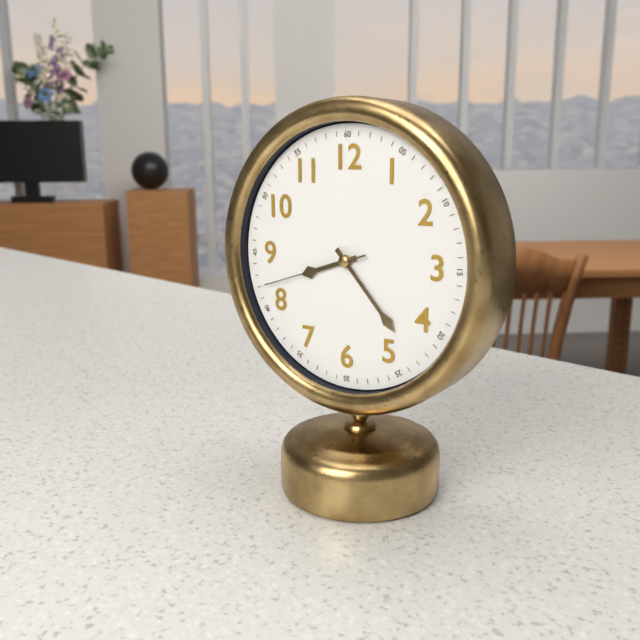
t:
8h23m42s
